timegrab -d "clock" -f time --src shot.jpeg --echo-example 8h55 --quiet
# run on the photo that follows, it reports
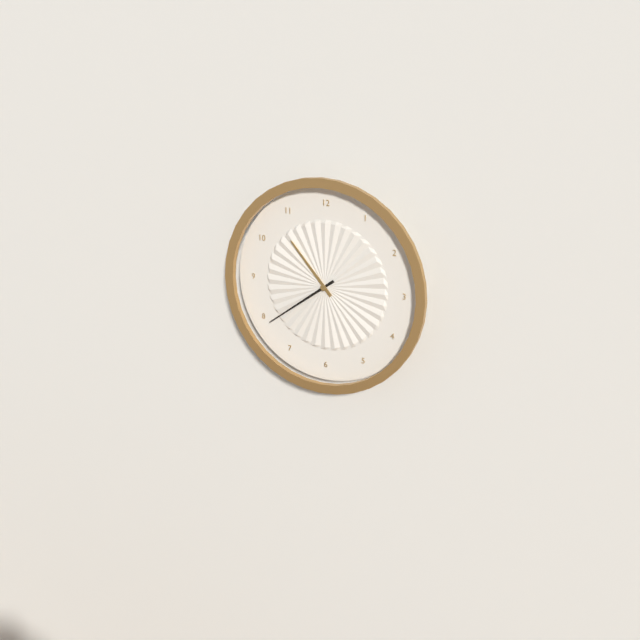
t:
10h39
